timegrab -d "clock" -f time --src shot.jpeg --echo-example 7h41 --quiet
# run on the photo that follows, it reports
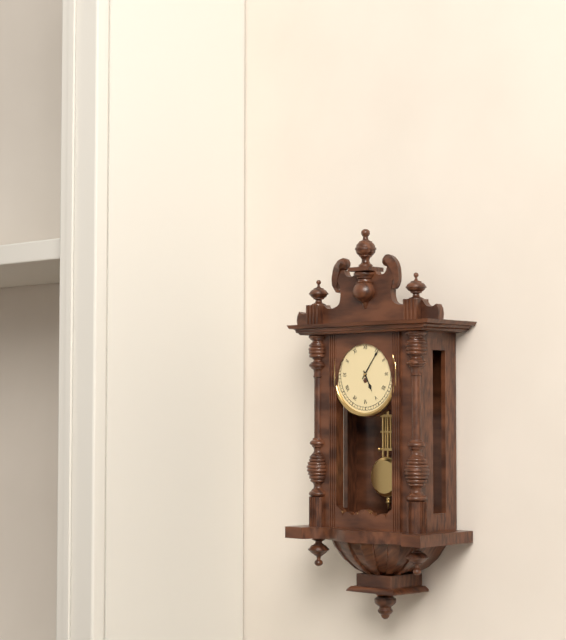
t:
5h06
